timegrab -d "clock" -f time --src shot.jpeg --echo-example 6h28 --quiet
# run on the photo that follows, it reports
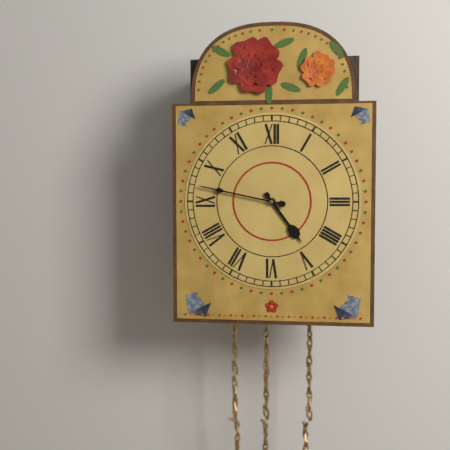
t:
4h47
